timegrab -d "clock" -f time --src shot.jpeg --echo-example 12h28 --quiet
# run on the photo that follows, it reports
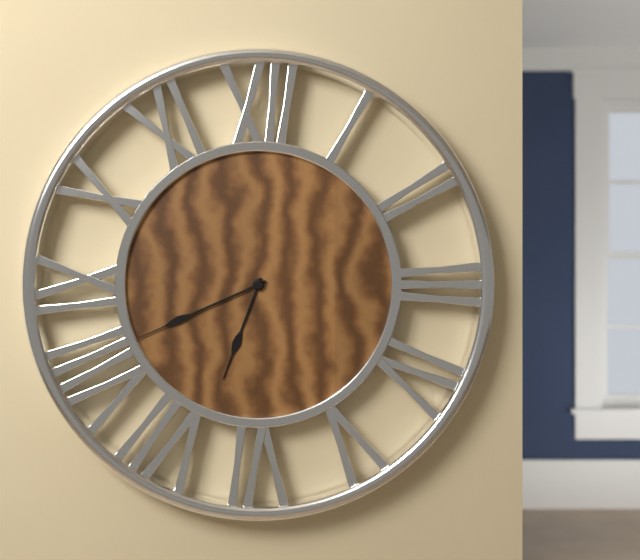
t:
6h41
